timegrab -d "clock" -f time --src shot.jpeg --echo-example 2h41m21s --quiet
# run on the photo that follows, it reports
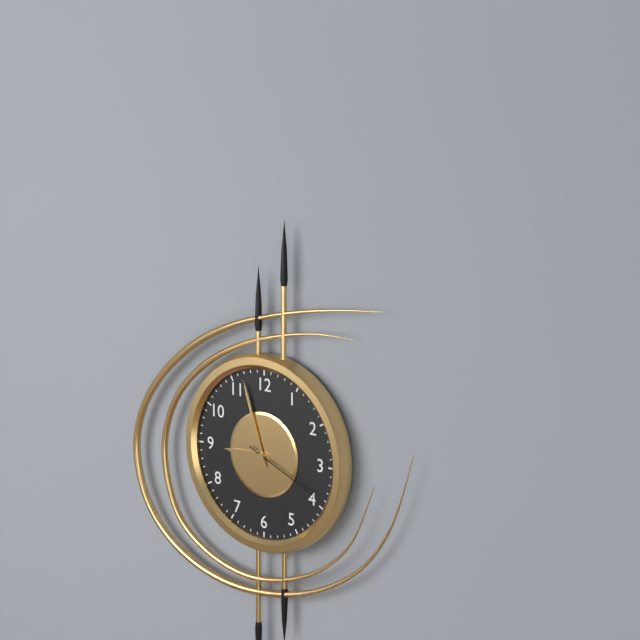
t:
8h57m19s
